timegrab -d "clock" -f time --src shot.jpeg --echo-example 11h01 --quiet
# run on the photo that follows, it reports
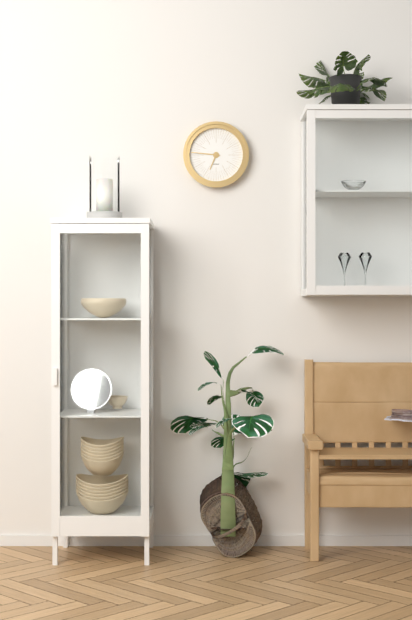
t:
6h46
